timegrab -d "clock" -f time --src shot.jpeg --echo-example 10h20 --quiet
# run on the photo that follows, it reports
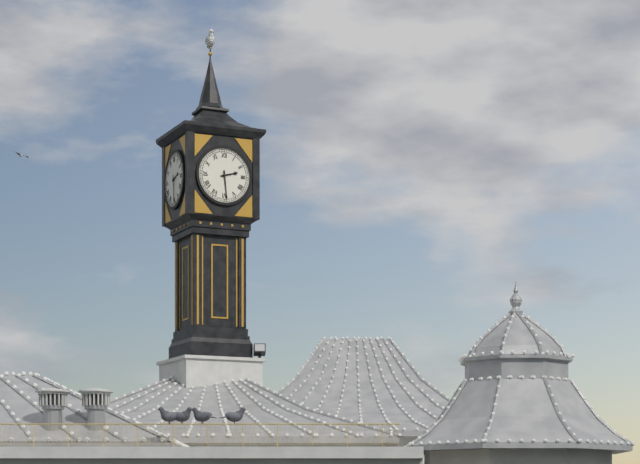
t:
2h29
